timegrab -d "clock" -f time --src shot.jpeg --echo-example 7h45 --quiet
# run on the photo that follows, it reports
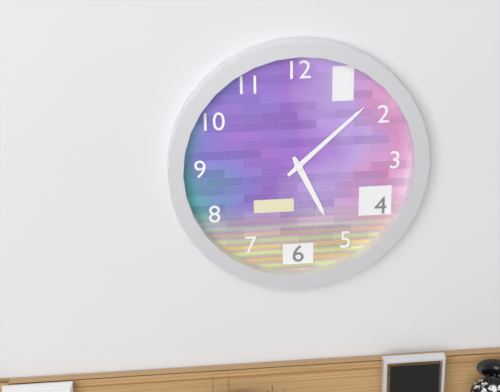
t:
5h08
